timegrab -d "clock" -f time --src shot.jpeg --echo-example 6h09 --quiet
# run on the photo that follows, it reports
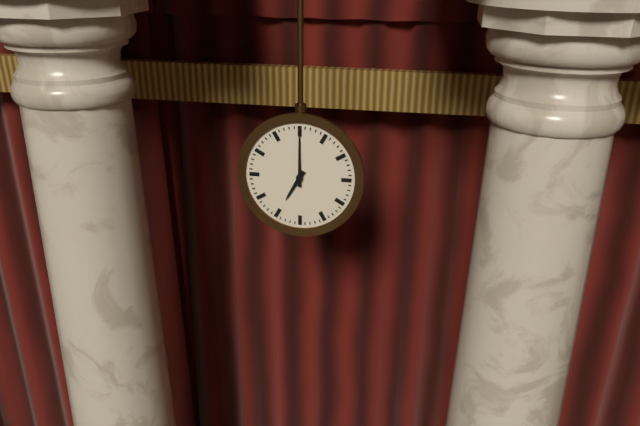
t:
7h00
